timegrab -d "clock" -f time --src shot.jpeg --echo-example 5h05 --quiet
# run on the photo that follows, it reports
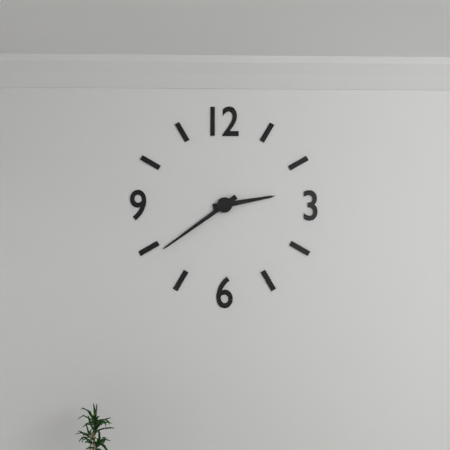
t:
2h39
